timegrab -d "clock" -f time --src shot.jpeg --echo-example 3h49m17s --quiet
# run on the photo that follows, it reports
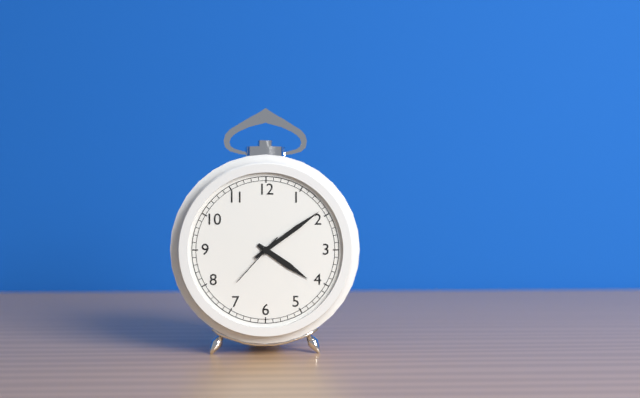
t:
4h09m37s
